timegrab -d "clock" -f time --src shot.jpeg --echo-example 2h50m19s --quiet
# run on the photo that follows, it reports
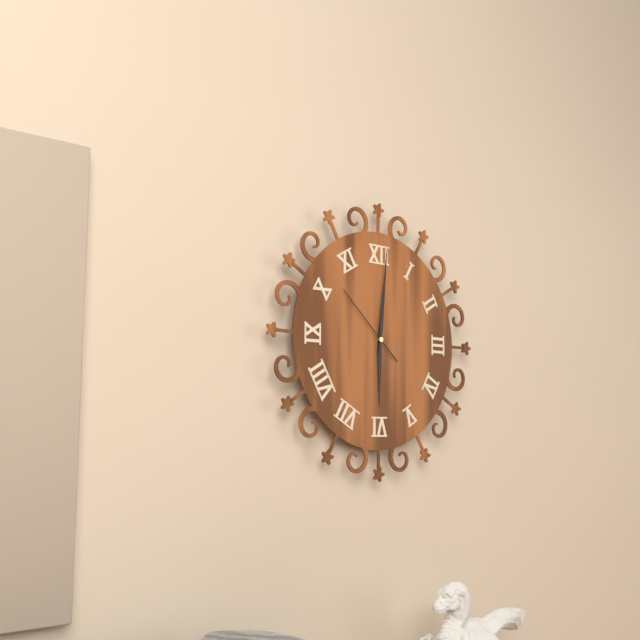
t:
6h01m52s
